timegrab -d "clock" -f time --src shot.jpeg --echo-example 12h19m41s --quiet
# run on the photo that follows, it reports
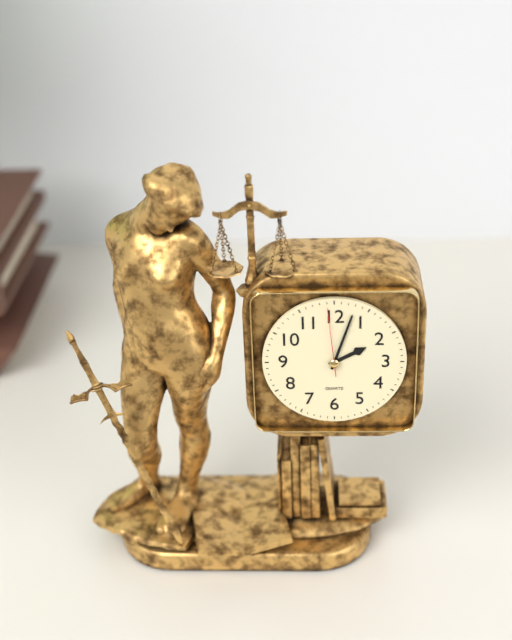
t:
2h03m59s
